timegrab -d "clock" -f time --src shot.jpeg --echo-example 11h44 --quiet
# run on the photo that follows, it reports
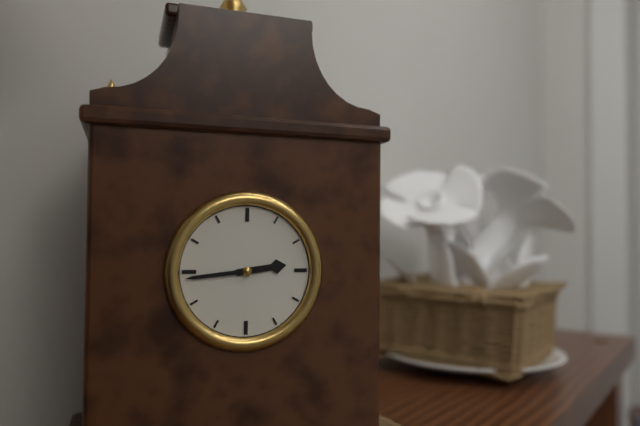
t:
2h44
